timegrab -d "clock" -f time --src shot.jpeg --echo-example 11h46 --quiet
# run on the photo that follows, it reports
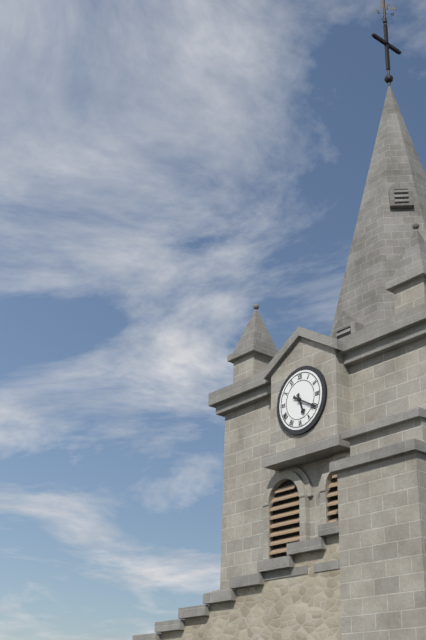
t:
5h20
